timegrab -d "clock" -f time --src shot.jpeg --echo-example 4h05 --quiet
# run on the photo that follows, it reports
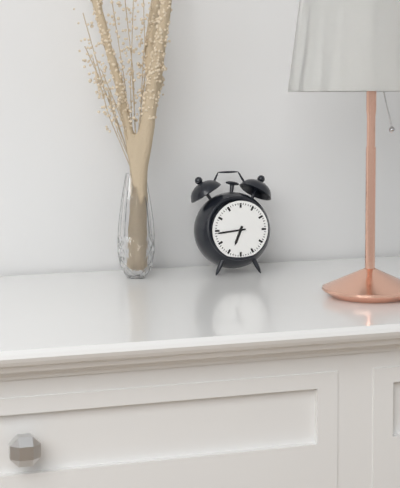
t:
6h44
